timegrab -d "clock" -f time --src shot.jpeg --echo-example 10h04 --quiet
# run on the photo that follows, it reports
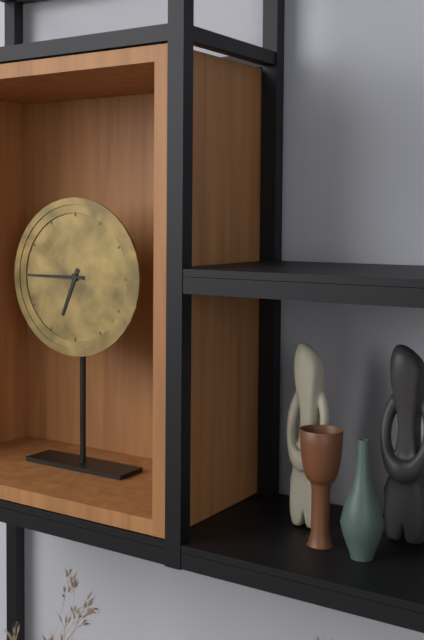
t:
6h45
